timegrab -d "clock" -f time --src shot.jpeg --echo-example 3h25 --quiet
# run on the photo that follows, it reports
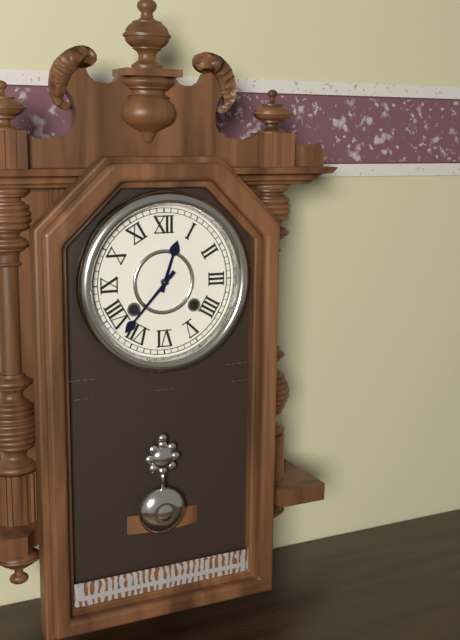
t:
12h37
